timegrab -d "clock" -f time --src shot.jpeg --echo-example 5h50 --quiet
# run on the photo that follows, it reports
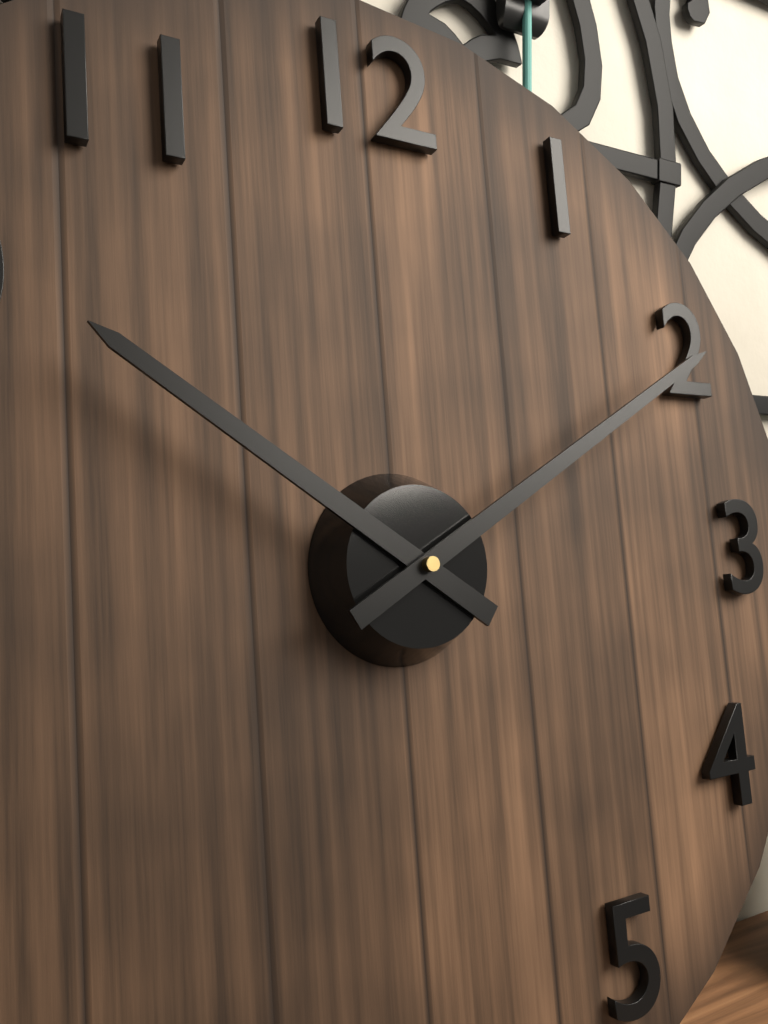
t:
10h10
